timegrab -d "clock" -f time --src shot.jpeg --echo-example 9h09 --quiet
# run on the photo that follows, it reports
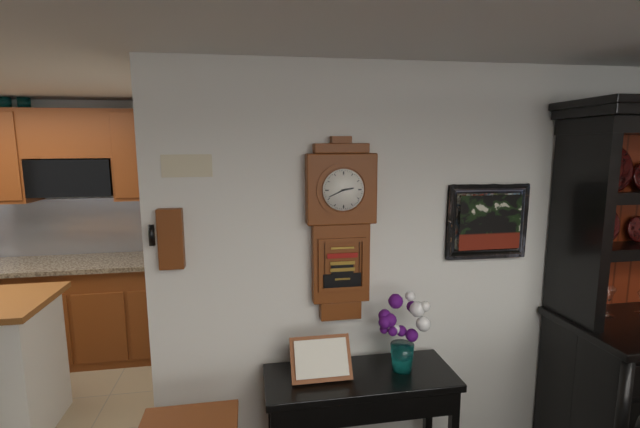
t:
2h41
